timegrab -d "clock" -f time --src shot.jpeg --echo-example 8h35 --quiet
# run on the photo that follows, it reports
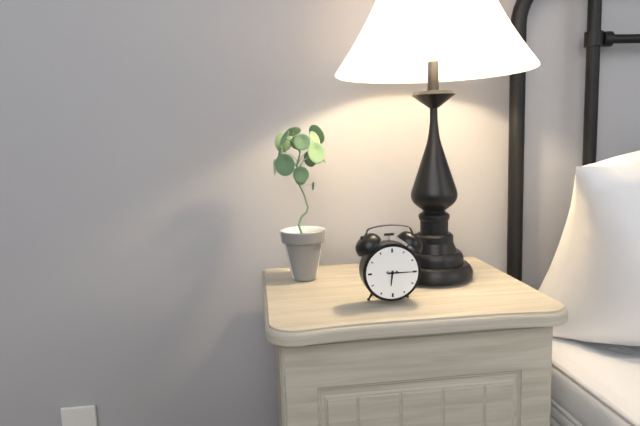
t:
6h15
